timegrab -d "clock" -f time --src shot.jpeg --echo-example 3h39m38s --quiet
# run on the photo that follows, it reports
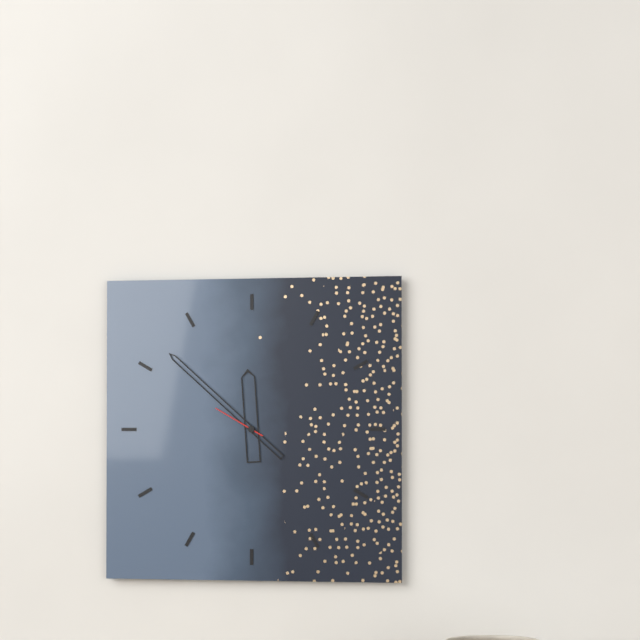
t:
11h52m50s
